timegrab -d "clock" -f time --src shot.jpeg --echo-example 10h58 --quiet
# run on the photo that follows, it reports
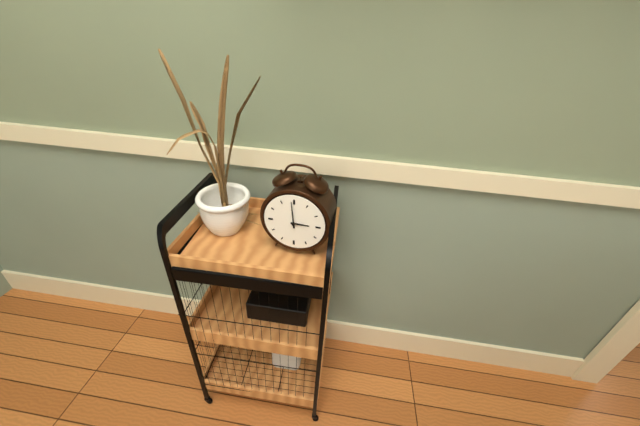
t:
2h59
